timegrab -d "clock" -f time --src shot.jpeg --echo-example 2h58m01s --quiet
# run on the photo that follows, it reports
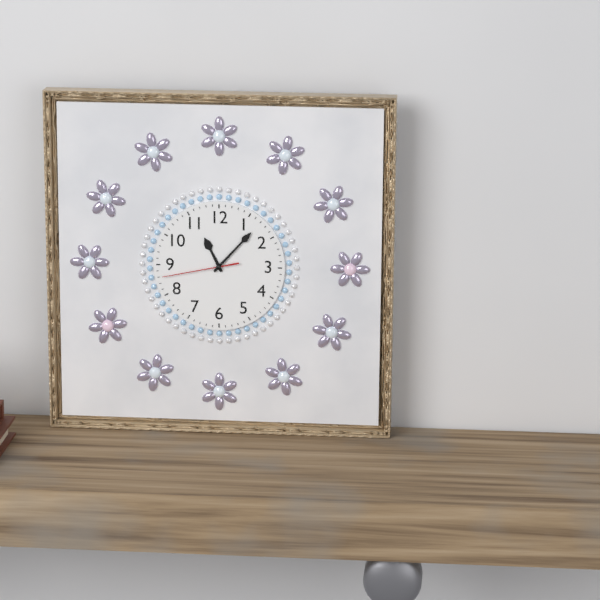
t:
11h07m43s
